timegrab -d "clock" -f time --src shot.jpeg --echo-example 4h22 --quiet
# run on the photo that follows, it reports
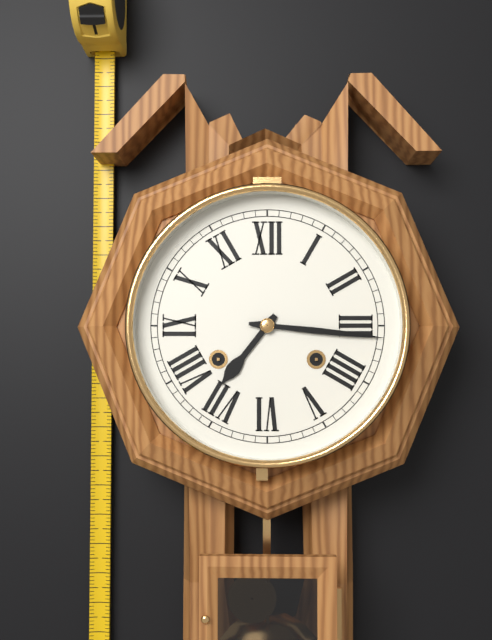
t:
7h16
